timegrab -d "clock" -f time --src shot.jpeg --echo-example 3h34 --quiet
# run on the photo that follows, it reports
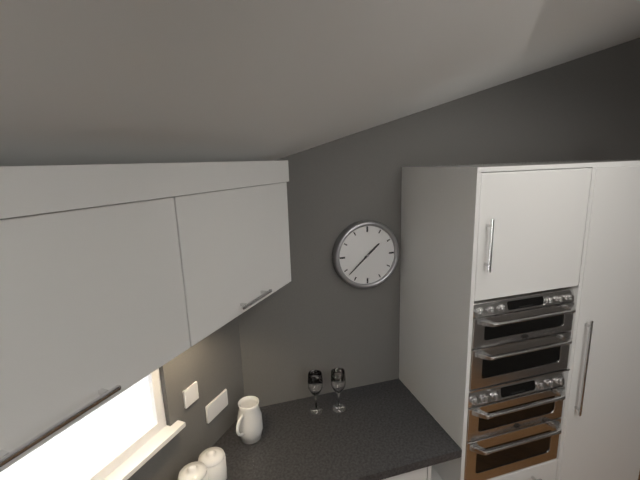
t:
1h38
